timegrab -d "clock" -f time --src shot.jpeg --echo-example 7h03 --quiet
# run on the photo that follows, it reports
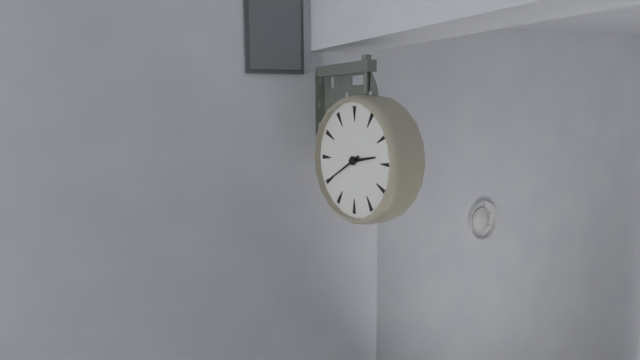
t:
2h40
